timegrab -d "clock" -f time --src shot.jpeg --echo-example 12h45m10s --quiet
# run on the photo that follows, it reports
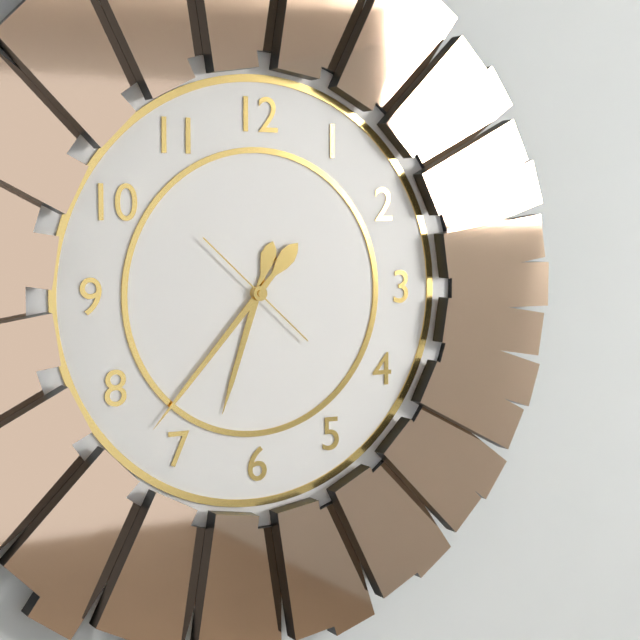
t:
6h37m52s
